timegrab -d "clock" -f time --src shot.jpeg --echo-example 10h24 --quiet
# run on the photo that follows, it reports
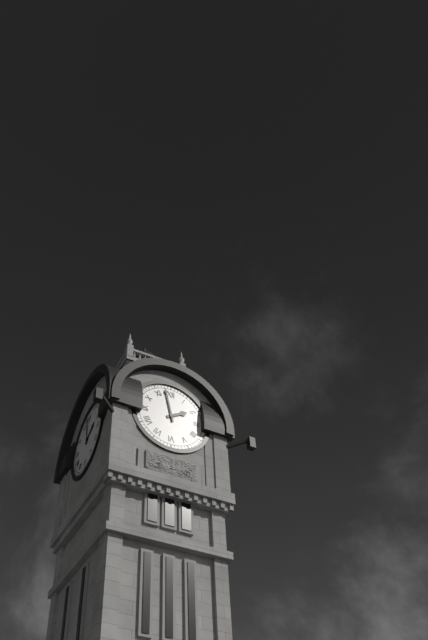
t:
1h58
